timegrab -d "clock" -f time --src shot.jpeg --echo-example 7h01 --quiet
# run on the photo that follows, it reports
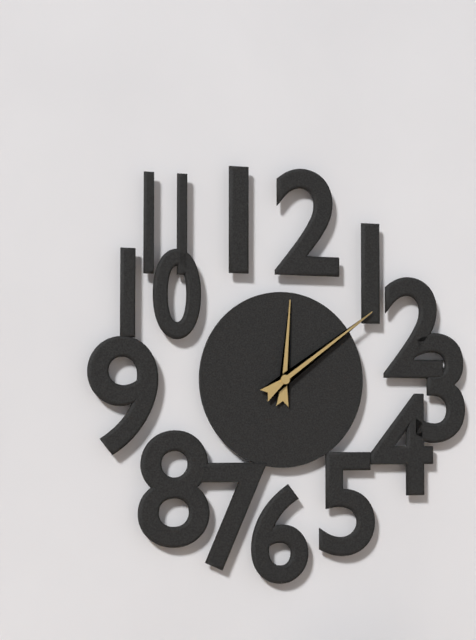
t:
12h09
